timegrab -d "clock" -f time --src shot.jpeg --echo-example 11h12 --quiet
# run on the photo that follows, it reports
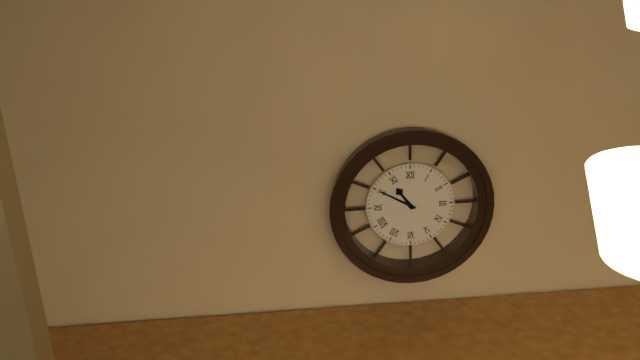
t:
10h50
